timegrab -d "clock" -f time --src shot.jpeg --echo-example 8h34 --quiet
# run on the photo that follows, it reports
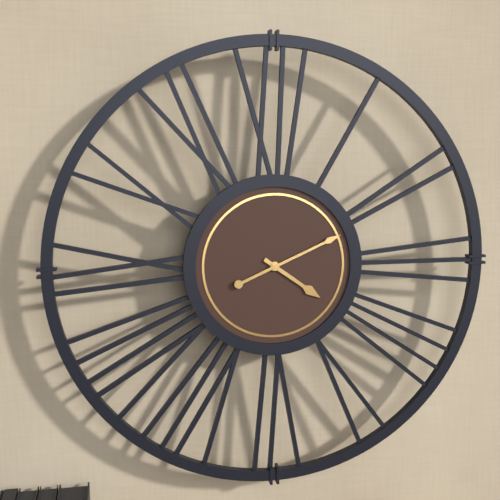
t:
4h11
